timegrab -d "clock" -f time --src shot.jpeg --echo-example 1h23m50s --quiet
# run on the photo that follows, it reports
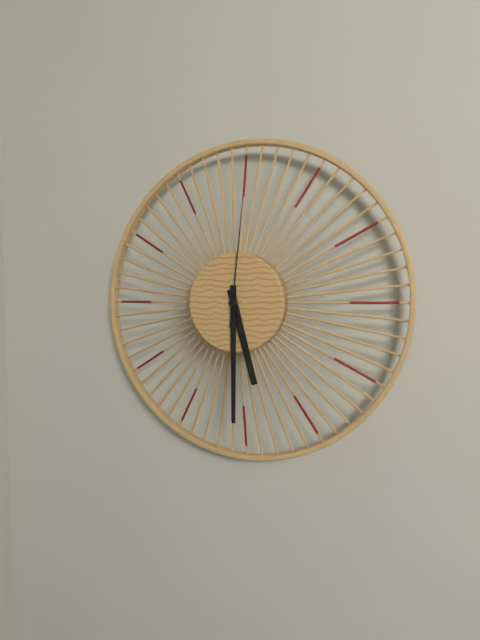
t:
5h30m01s
